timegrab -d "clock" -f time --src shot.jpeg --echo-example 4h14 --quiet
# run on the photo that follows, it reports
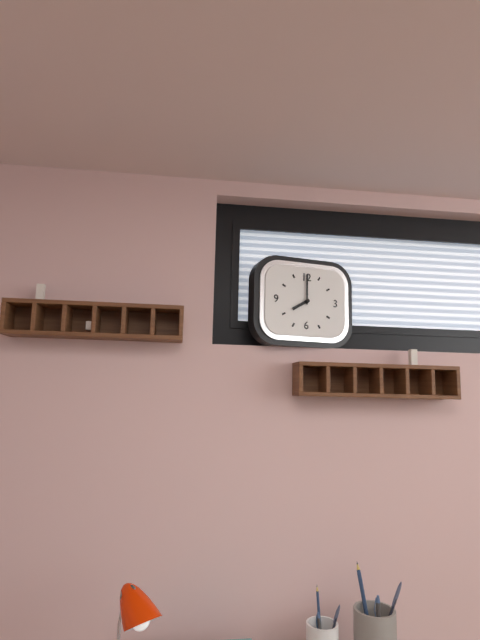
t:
8h00
